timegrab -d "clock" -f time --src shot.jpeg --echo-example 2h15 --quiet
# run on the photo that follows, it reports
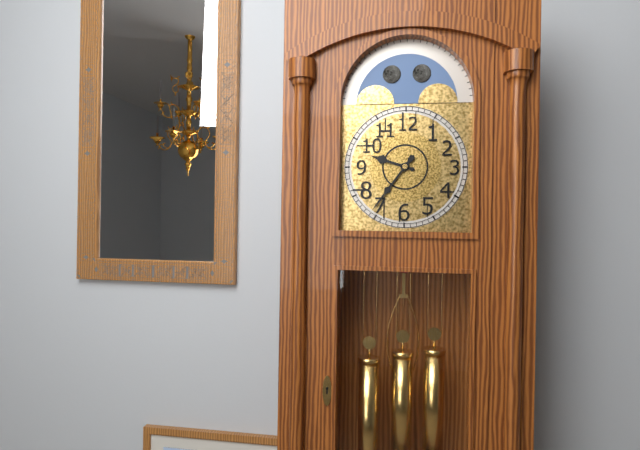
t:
9h36
